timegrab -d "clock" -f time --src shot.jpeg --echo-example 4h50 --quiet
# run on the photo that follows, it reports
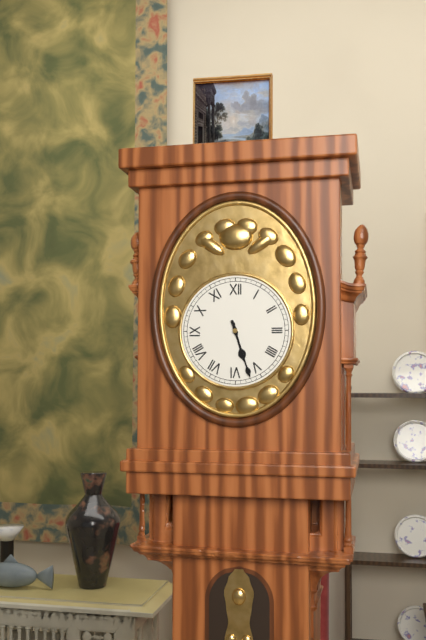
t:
5h27
